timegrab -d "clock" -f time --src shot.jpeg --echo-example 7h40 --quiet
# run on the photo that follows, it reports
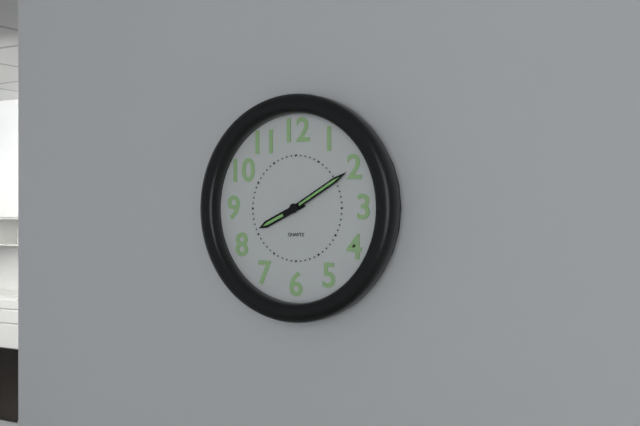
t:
8h10
